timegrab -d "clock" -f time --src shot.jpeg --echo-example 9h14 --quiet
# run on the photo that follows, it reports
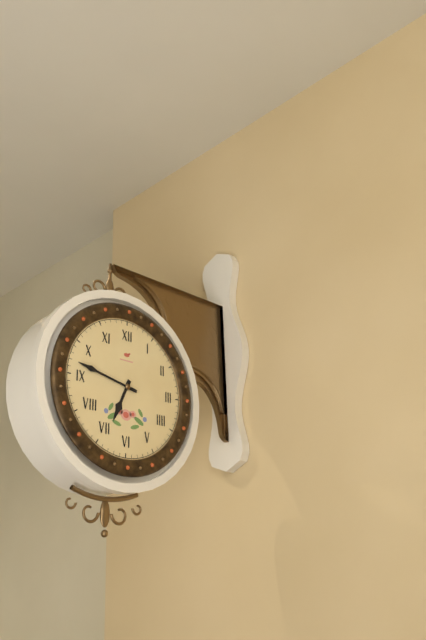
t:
6h47
